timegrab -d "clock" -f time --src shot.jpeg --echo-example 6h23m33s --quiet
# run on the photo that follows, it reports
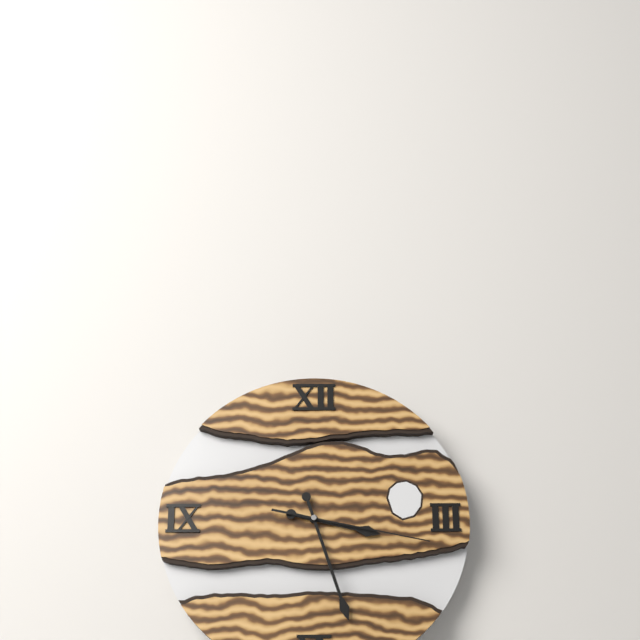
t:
3h27m17s
